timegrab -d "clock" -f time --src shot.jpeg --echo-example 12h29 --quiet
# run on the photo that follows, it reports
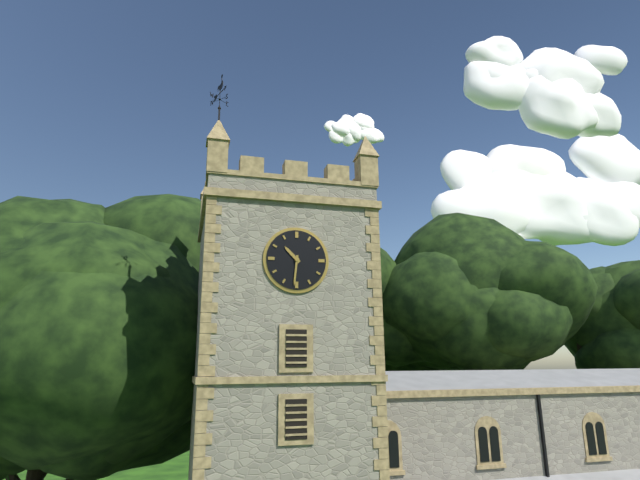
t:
10h31
